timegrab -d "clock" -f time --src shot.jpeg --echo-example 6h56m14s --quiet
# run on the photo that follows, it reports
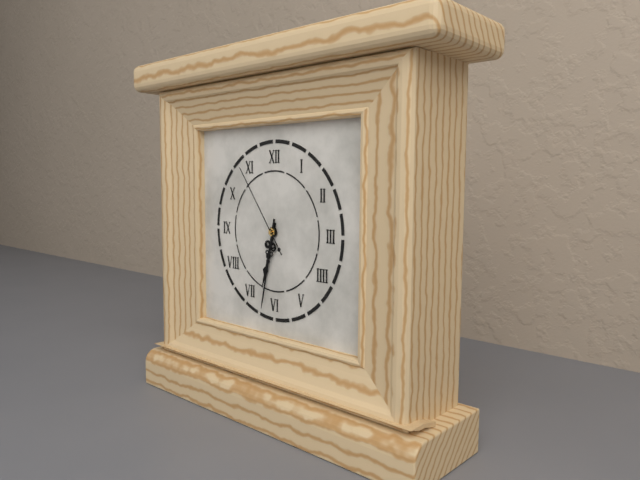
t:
6h32m54s
